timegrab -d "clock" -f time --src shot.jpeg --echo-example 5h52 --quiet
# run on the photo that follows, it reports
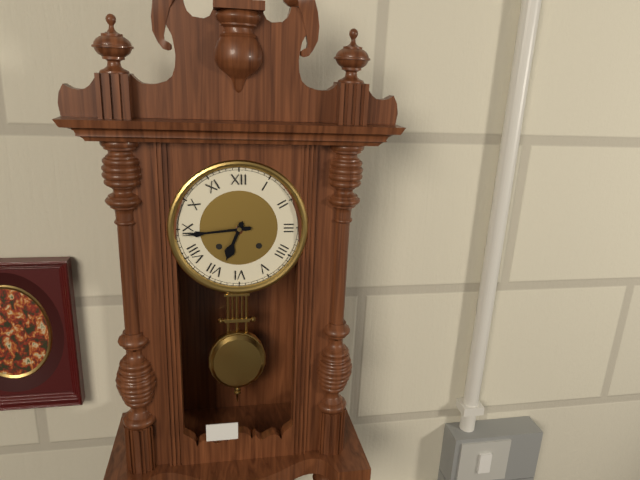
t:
6h44
